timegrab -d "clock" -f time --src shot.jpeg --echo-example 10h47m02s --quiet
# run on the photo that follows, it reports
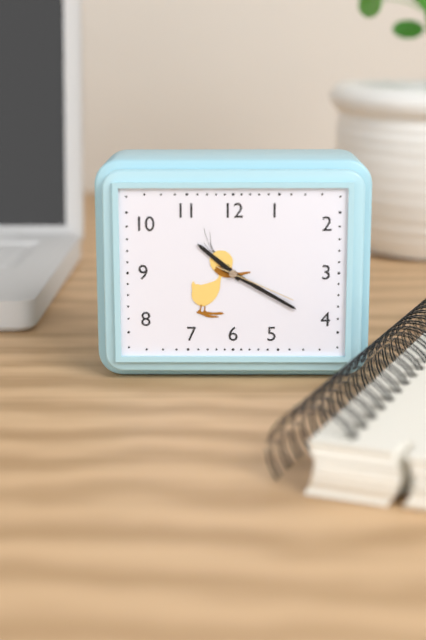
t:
10h20m19s
